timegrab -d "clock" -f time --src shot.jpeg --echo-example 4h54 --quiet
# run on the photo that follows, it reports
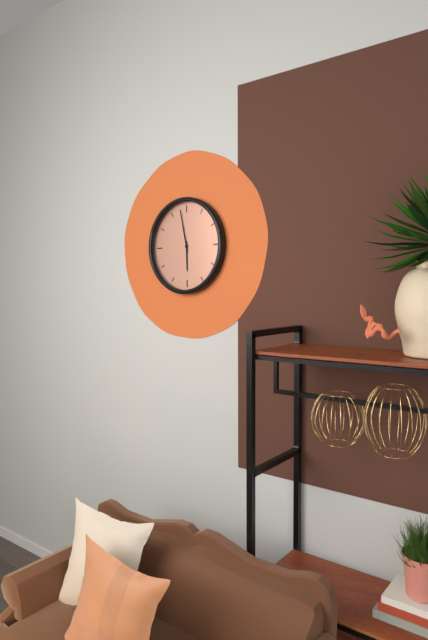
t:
5h58
